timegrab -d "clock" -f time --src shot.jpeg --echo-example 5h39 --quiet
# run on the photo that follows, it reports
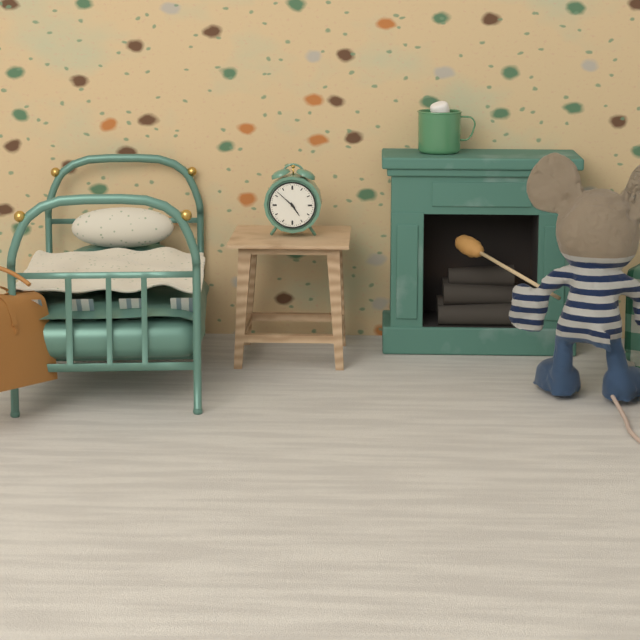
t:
4h52
